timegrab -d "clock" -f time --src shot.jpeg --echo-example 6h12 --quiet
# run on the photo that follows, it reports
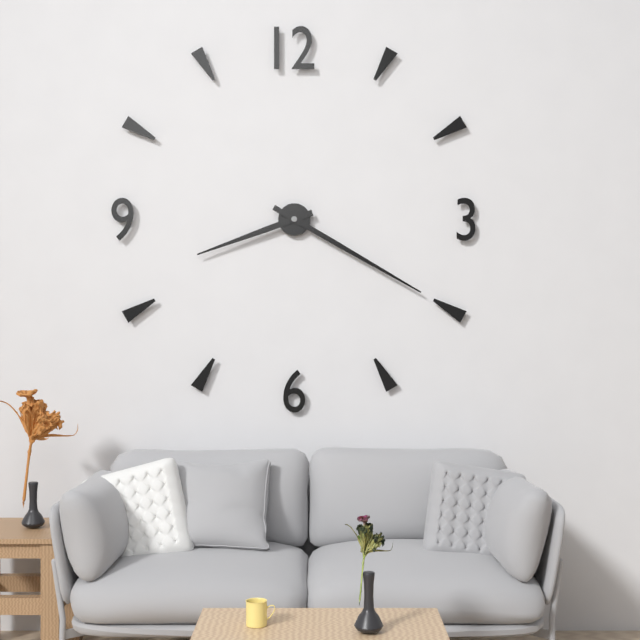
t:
8h20
